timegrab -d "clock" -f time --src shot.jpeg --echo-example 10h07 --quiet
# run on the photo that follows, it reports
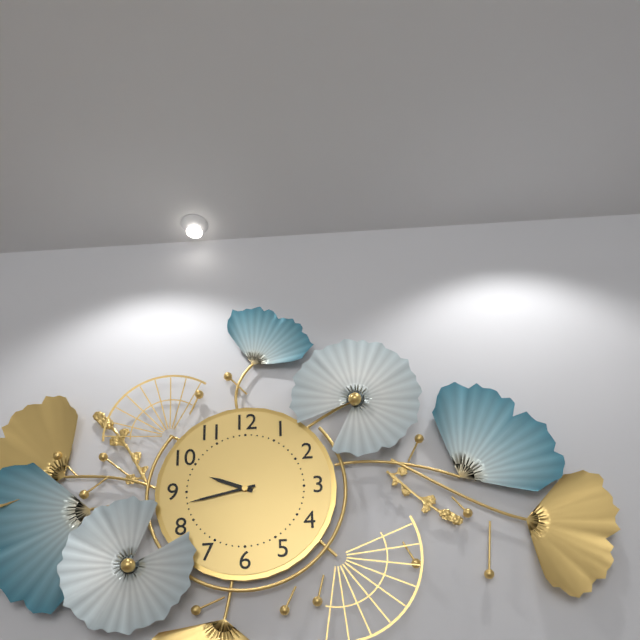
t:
9h43
